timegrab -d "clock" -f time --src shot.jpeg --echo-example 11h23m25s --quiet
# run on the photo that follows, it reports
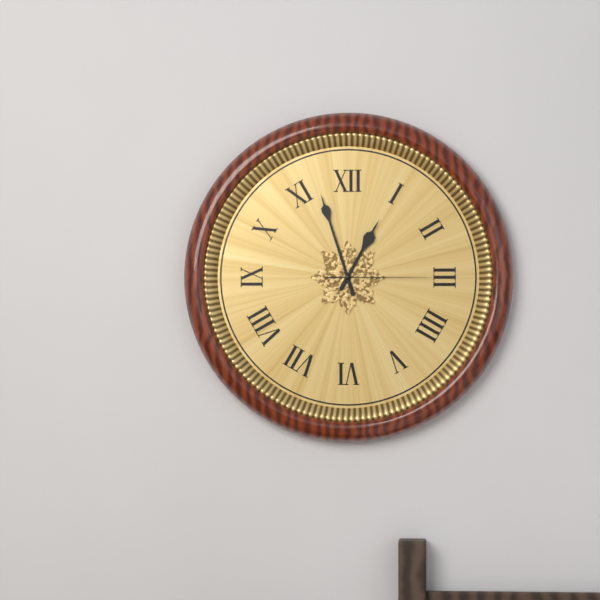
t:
12h57m15s
